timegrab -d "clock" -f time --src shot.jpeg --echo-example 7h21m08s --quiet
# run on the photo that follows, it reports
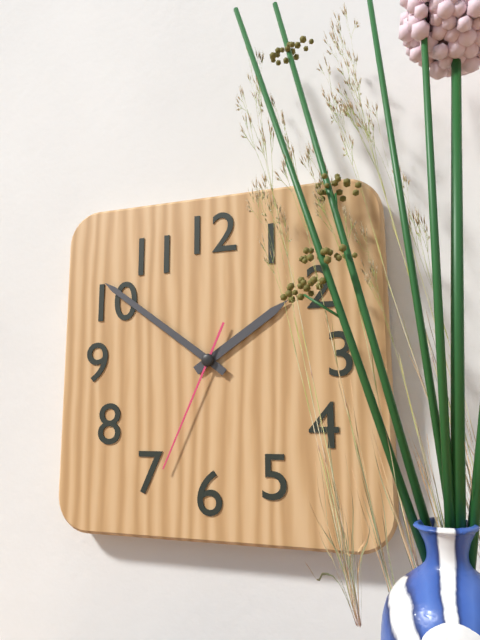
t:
1h51m34s
